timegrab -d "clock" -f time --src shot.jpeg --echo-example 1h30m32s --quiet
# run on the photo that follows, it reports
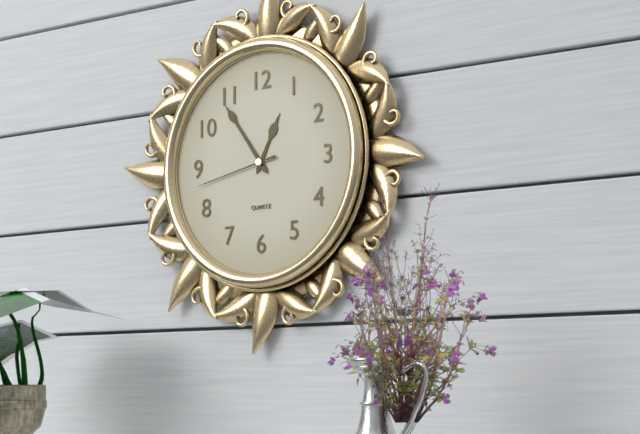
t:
12h54m43s
